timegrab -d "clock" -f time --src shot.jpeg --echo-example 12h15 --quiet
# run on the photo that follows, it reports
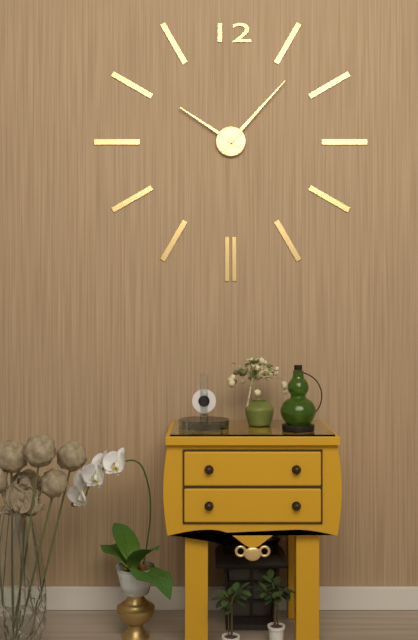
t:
10h07
